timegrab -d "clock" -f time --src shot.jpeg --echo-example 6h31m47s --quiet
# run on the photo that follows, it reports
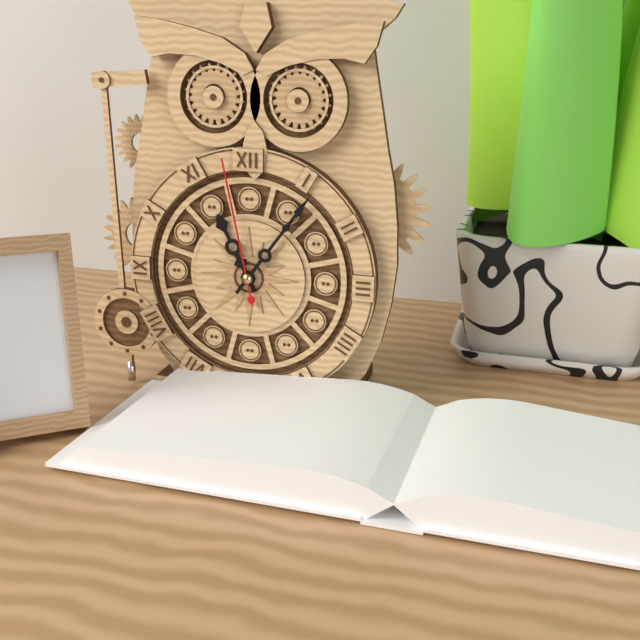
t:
11h06m58s
